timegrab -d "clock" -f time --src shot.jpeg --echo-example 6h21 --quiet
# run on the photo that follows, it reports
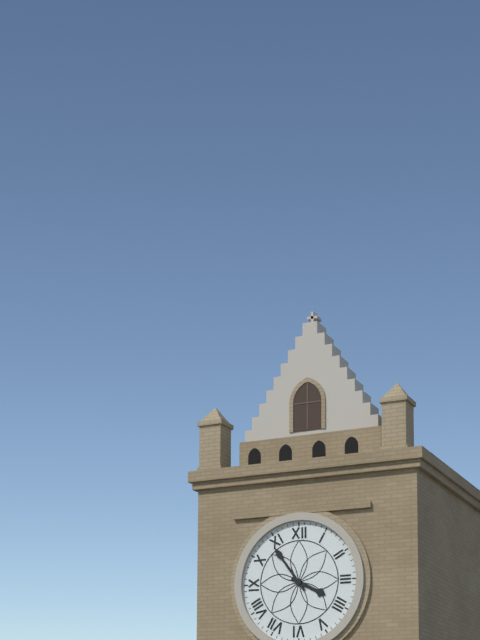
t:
3h54
